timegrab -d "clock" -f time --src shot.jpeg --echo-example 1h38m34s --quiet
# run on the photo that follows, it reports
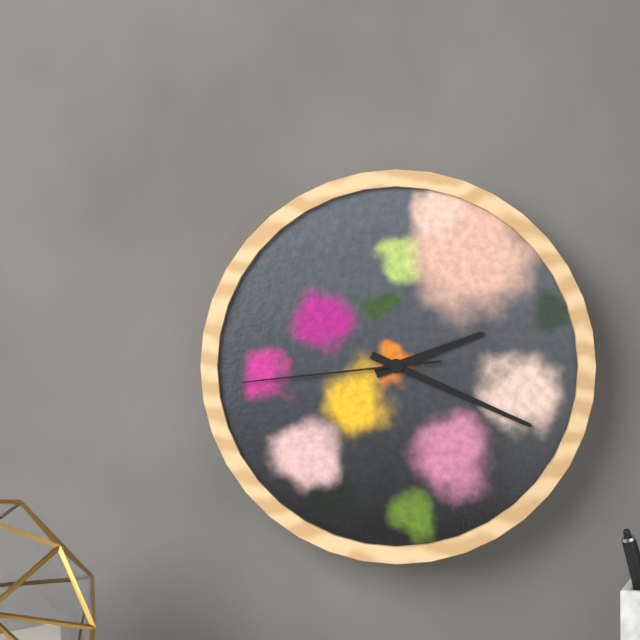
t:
2h19m44s
